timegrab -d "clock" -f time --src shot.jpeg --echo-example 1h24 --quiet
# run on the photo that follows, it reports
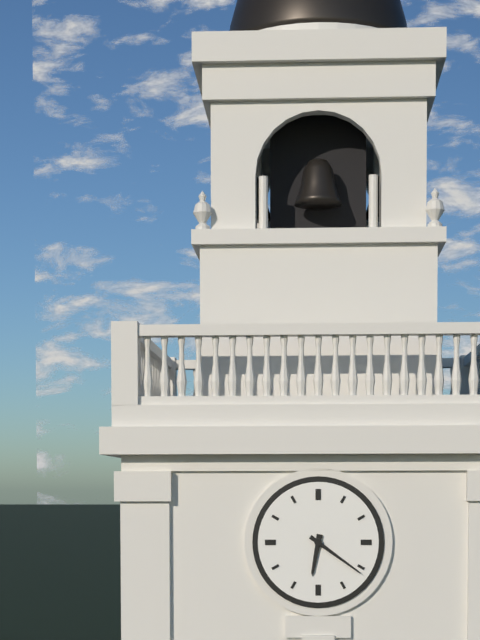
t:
6h21
